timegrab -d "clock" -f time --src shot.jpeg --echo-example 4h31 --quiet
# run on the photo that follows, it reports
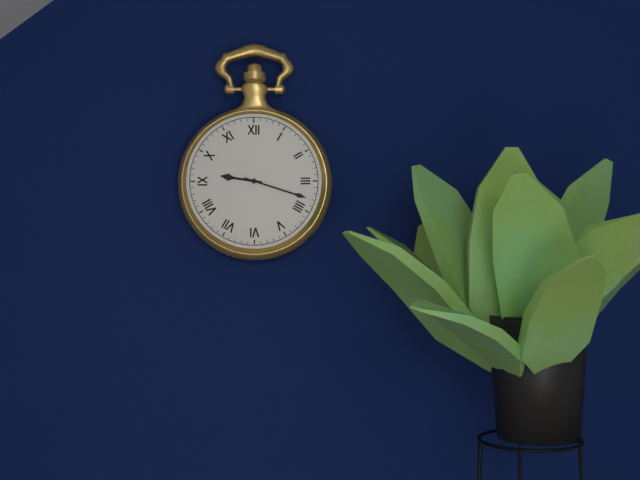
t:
9h18
